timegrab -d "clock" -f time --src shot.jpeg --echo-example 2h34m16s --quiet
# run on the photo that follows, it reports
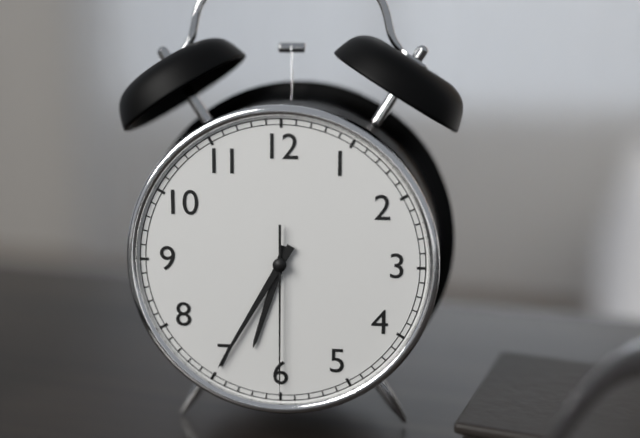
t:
6h35m30s
